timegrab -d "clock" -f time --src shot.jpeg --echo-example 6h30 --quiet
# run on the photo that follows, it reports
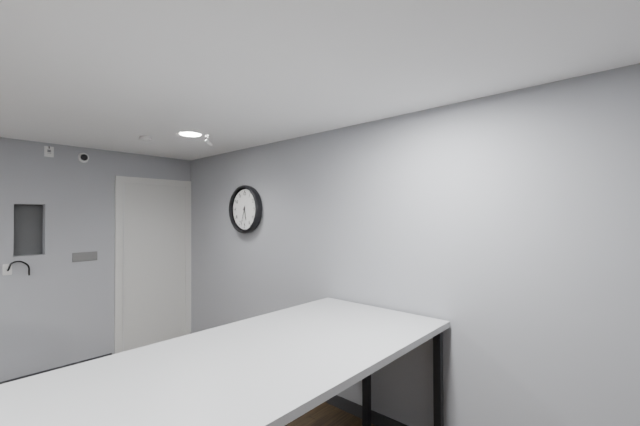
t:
5h33
